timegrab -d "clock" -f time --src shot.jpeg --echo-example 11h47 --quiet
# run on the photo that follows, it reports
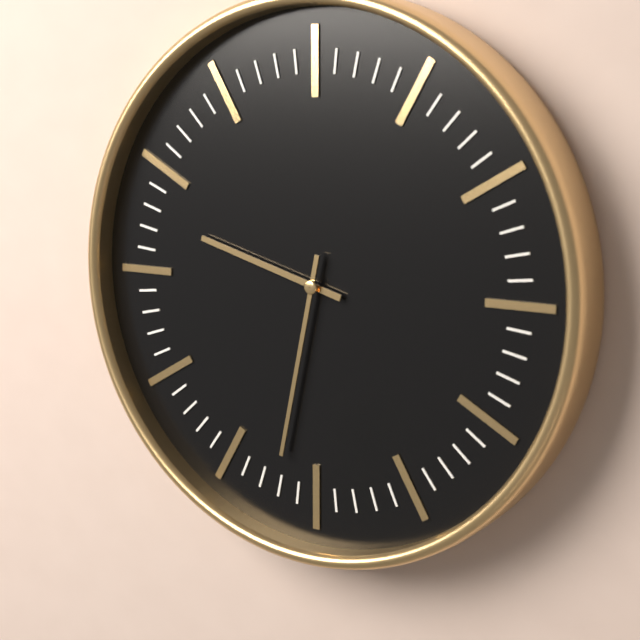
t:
9h32
